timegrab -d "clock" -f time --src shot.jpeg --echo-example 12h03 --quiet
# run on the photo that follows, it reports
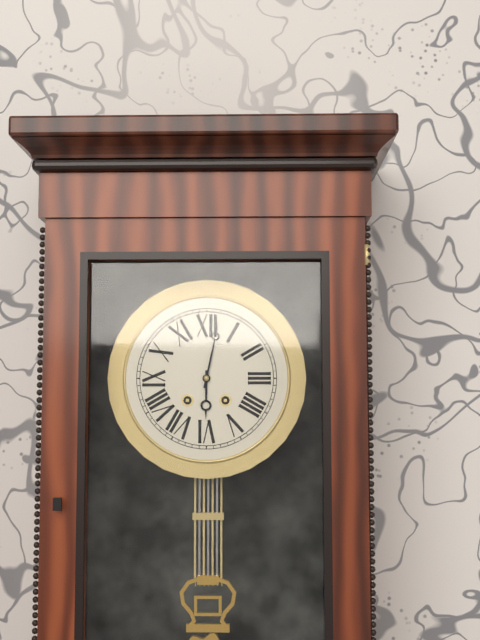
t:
6h02
